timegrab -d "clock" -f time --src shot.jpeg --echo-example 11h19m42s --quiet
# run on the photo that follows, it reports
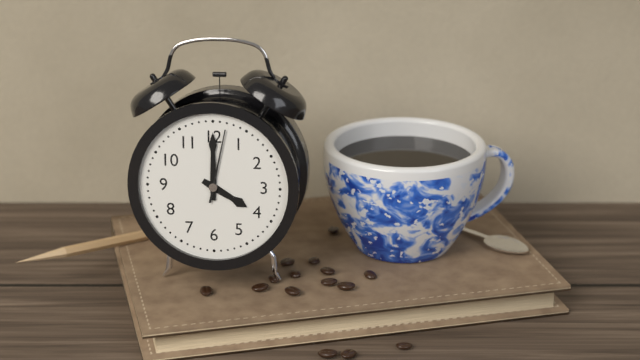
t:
4h00m02s
